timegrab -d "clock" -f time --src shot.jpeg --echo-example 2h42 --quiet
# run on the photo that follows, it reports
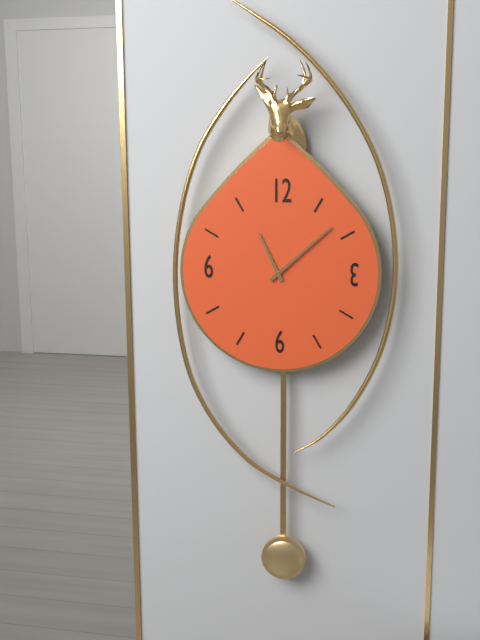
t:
11h08
